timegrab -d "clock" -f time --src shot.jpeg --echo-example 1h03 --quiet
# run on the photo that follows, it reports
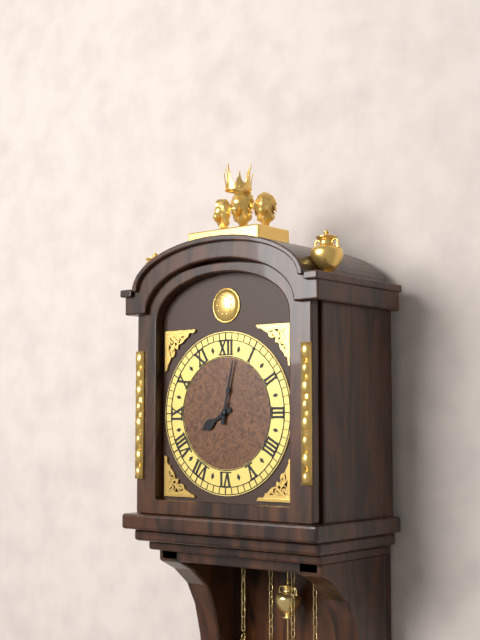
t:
8h02
